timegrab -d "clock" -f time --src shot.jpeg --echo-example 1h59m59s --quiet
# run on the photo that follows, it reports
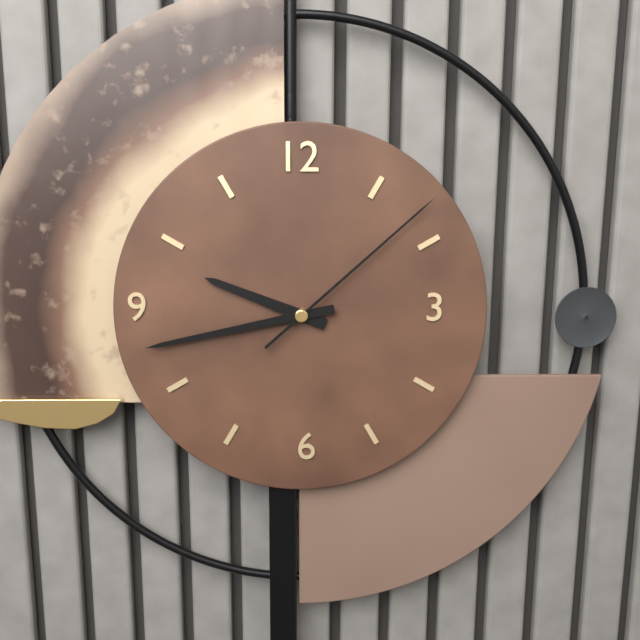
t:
9h43m08s
